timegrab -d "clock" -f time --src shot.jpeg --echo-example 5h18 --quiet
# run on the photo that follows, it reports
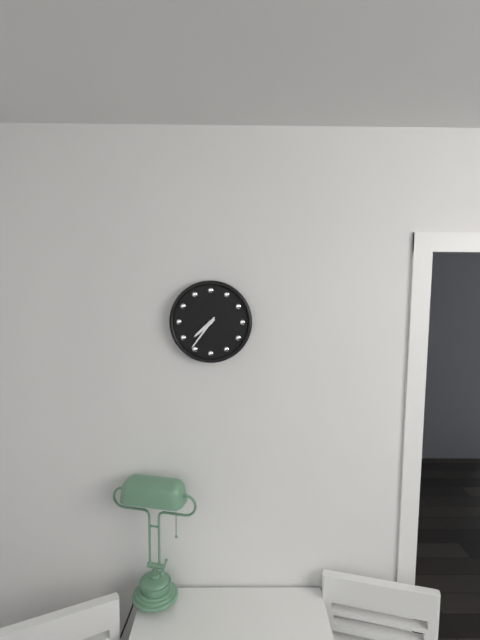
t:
7h36
